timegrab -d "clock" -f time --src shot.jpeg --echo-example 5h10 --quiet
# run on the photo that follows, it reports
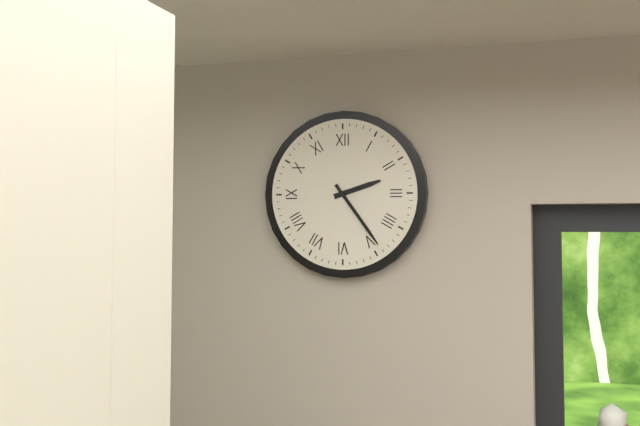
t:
2h24
